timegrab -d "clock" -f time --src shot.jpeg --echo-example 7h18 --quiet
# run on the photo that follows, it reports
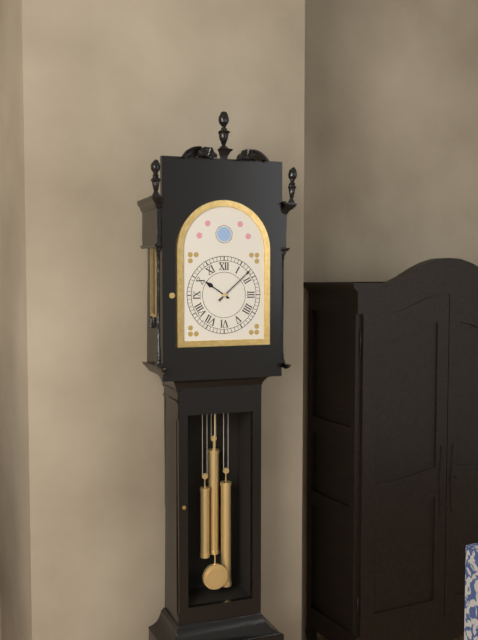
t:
10h08
